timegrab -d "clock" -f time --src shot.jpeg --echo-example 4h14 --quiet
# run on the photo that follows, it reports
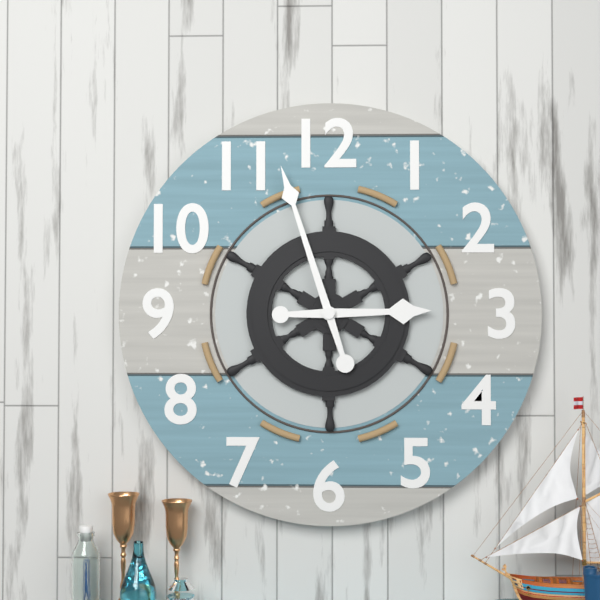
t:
2h57
